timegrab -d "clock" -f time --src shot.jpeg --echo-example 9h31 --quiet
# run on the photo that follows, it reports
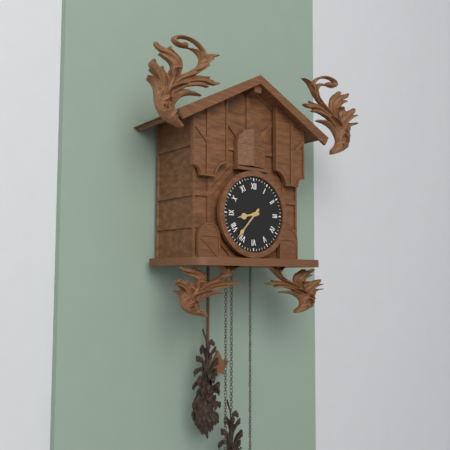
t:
8h37
